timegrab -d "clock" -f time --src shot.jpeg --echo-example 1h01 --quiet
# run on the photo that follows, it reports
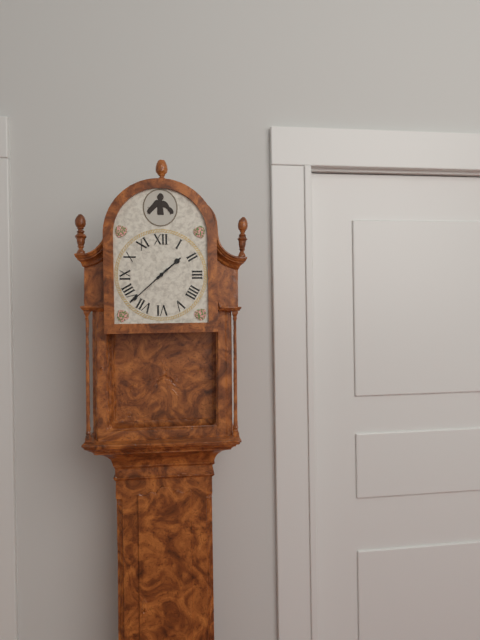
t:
1h38
